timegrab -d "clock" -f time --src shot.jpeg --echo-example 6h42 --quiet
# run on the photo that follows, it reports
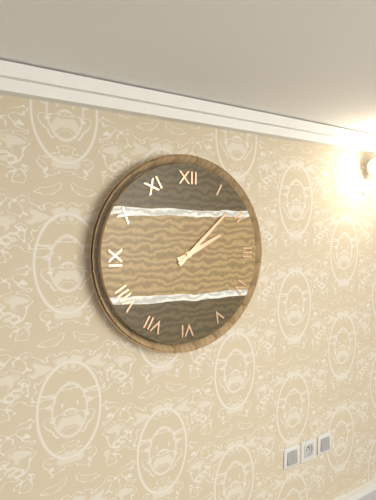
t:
2h08
